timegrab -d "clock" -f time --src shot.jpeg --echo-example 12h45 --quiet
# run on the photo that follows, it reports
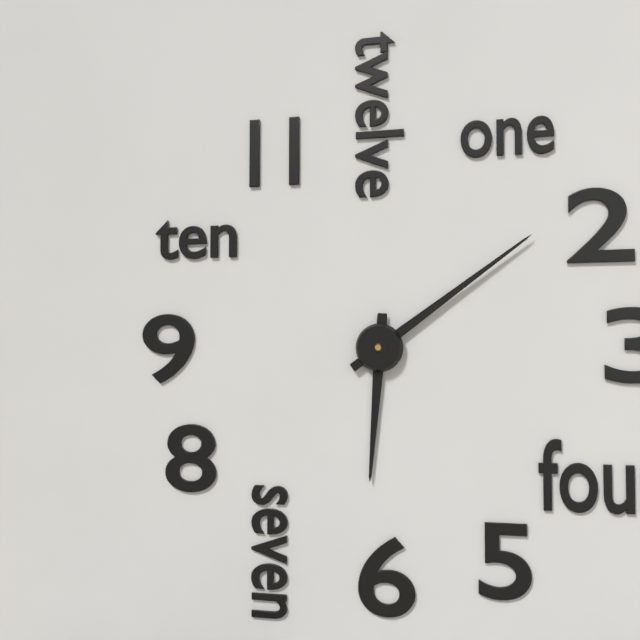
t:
6h09
